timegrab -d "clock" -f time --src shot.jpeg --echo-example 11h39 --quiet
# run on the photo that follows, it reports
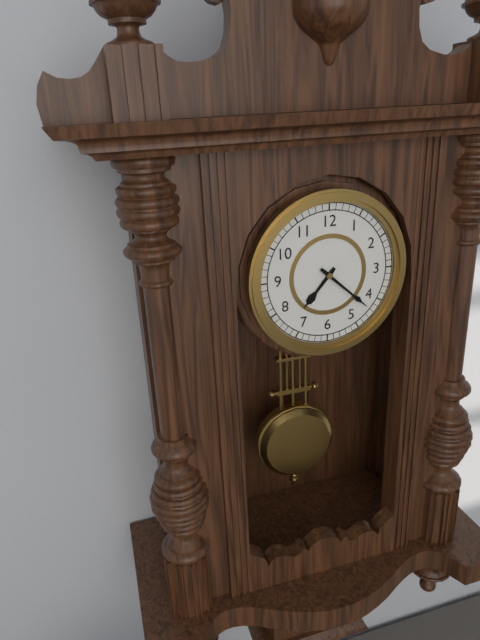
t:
7h22
